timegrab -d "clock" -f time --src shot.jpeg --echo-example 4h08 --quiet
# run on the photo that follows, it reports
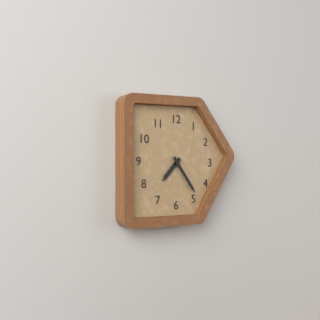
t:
7h24
